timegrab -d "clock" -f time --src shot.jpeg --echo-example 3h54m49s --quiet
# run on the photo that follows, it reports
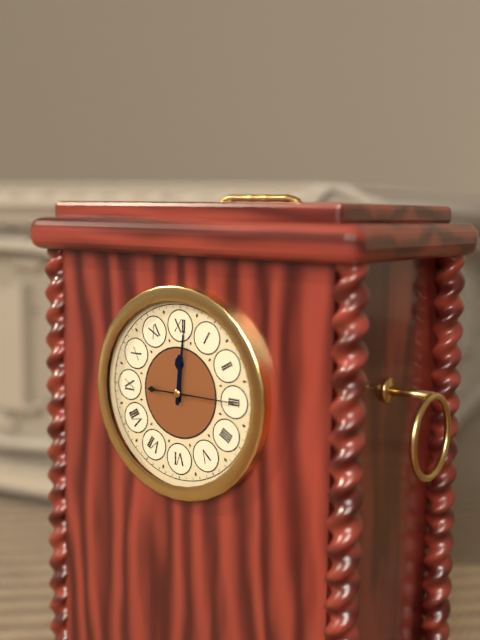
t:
12h01m15s
